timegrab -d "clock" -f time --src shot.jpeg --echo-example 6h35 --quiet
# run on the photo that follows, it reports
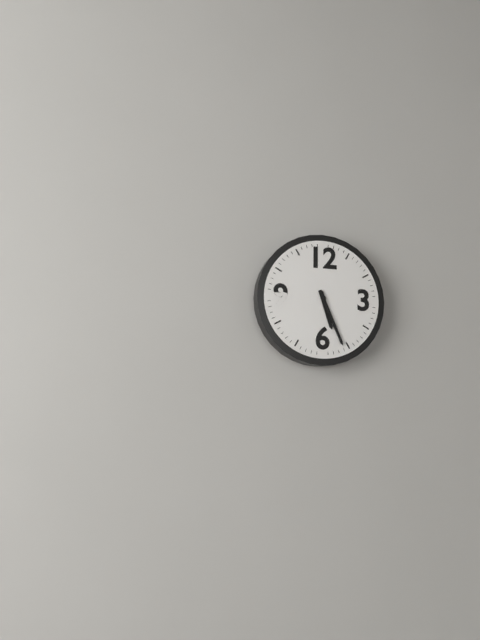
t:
5h26
